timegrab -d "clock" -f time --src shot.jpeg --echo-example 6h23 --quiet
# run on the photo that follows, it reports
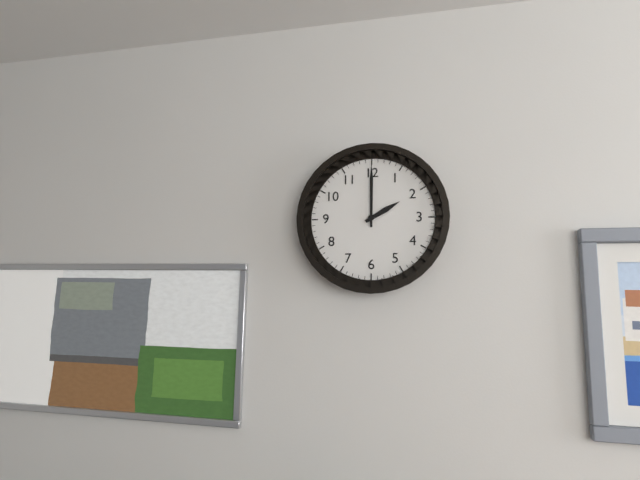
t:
2h00
